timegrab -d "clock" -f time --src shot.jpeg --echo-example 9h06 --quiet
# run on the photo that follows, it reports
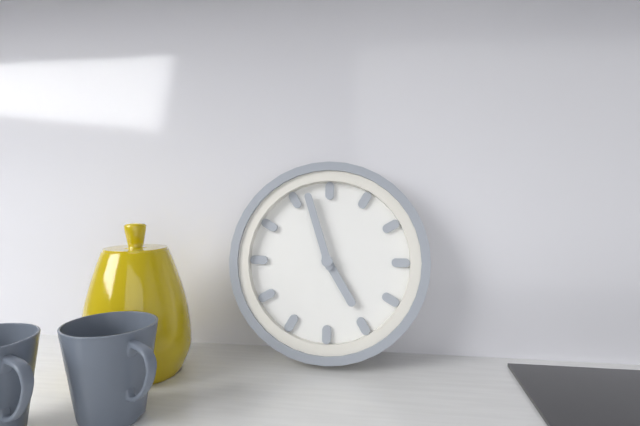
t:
4h57
